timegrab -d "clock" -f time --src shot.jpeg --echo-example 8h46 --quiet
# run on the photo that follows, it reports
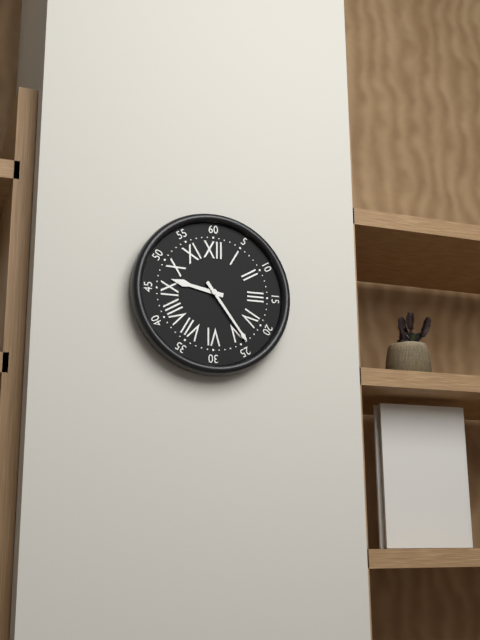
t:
9h24
